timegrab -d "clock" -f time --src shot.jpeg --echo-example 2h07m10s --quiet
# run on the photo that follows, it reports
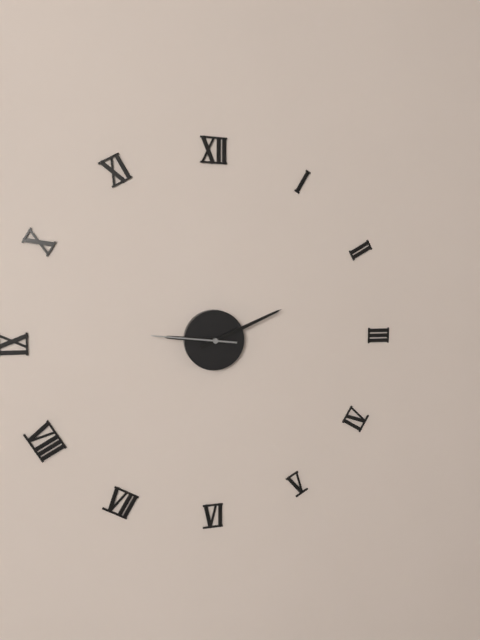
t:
9h11m46s
